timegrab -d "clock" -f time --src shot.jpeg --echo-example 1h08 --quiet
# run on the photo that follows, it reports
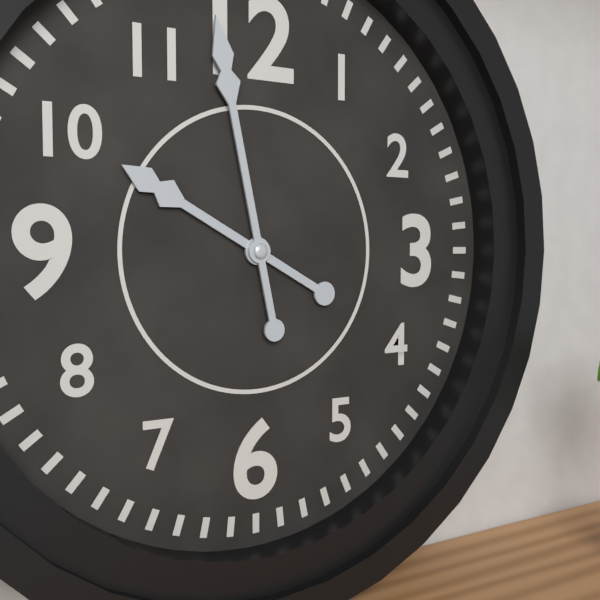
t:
9h58
